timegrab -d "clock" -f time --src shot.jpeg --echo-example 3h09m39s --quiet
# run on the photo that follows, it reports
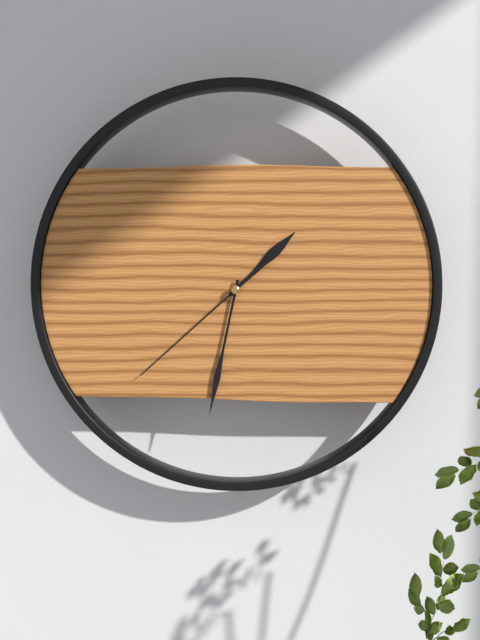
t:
1h32m38s
